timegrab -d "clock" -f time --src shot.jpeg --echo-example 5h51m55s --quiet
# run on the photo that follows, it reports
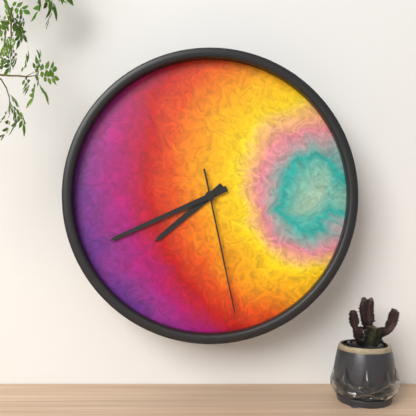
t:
7h41m28s
